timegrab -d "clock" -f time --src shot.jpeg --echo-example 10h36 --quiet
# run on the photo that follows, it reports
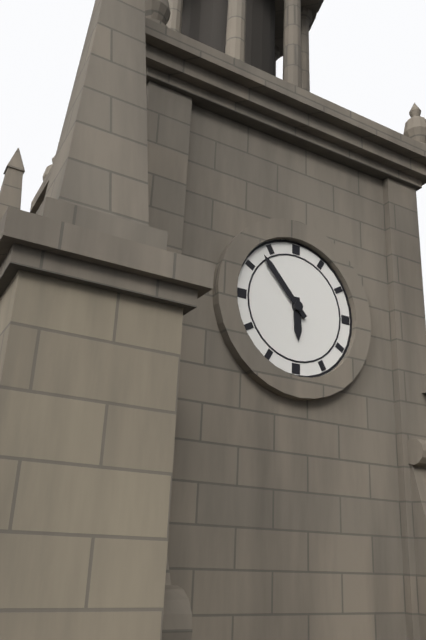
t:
5h53
